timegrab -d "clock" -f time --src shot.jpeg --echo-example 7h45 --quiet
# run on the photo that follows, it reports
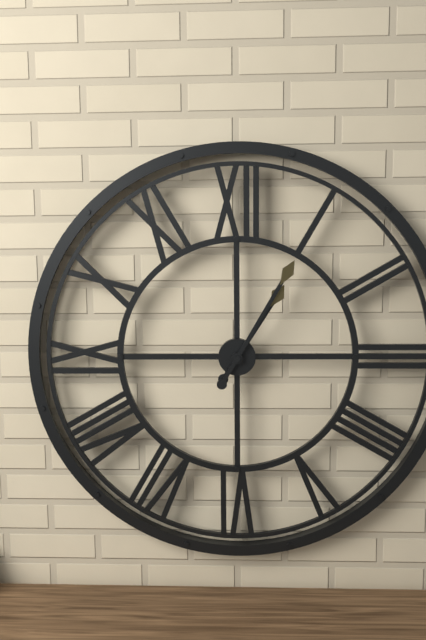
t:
1h05
